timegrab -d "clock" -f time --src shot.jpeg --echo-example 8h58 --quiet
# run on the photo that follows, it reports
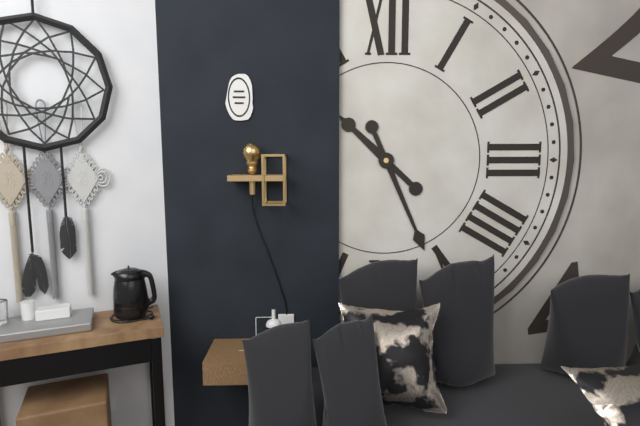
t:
10h26
